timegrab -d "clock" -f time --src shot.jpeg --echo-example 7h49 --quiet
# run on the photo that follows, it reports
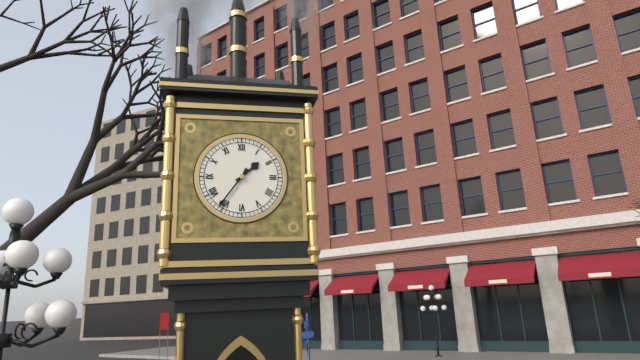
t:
1h36
